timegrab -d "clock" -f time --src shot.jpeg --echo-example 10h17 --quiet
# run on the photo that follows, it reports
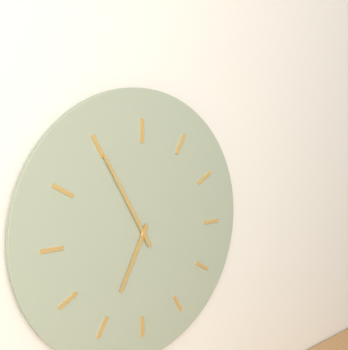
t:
6h55
